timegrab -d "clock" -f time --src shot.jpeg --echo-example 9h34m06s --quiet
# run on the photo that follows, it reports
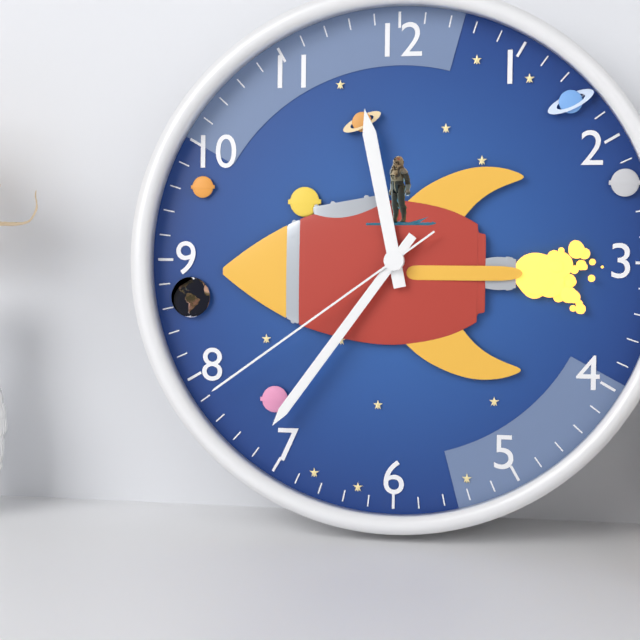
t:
11h36m39s
